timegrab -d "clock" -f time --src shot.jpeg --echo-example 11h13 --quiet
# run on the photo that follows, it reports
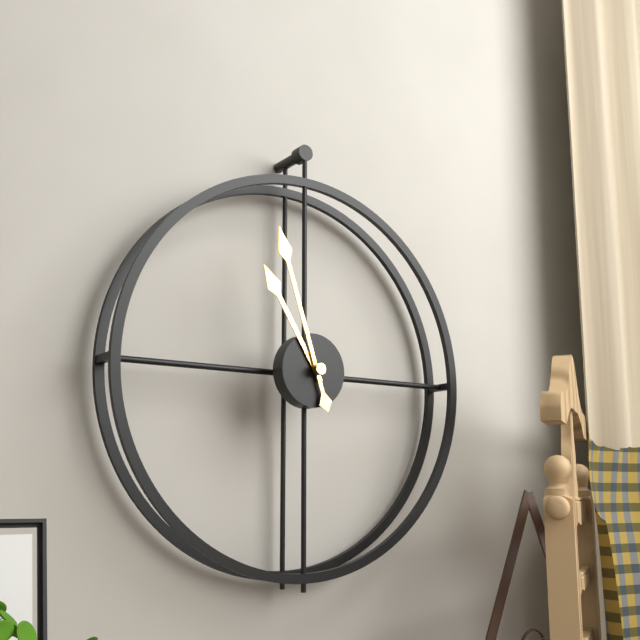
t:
10h57
